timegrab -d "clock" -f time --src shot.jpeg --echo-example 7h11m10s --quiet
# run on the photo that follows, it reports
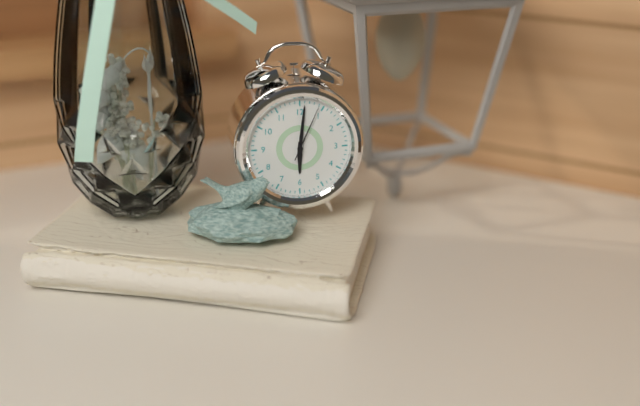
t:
6h01m04s
